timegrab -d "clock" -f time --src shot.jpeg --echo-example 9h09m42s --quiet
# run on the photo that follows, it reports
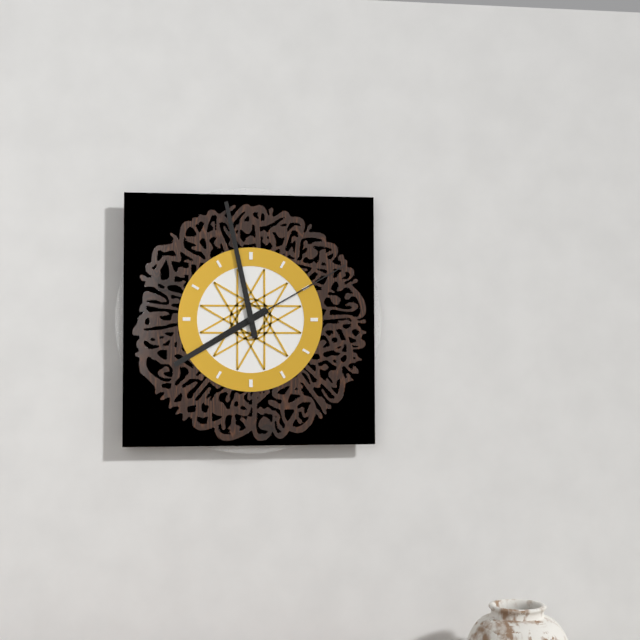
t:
7h58m10s
